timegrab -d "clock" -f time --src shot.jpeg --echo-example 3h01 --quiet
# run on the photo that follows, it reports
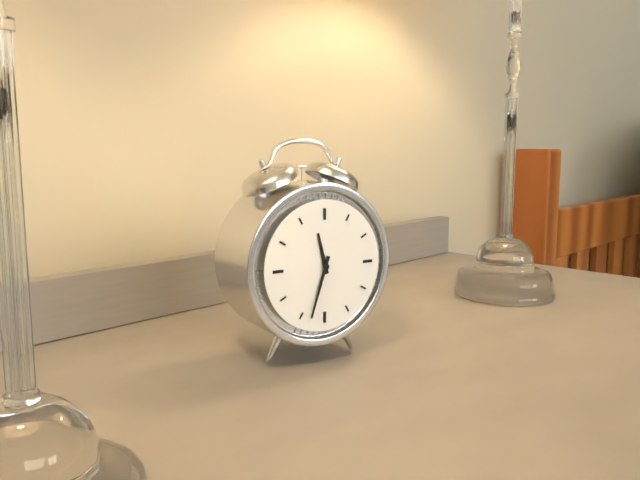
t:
11h33
